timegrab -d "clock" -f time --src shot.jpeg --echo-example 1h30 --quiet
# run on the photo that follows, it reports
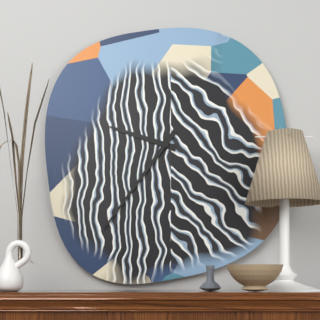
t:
9h36
